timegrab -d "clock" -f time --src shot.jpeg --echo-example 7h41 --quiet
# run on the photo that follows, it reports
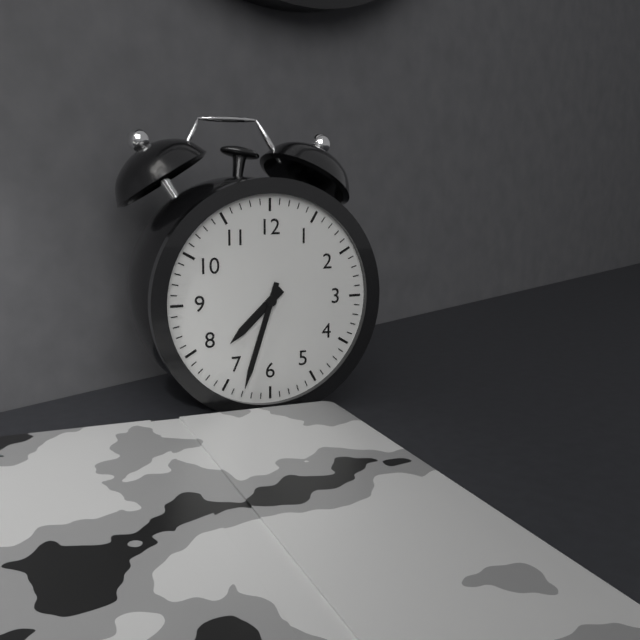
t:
7h33
